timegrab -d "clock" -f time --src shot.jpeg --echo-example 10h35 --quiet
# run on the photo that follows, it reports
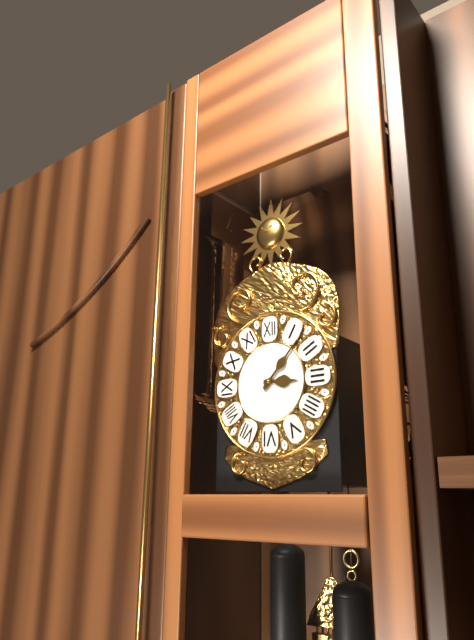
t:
3h07
